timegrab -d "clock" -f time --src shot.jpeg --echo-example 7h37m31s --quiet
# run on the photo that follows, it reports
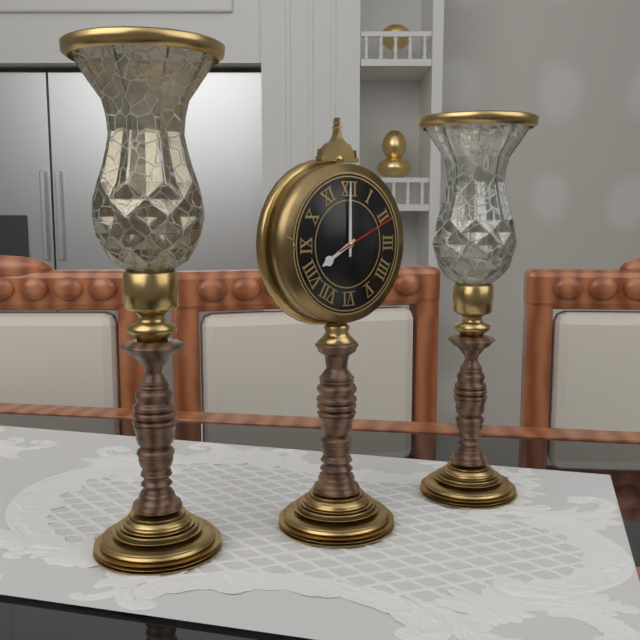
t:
8h00m11s
